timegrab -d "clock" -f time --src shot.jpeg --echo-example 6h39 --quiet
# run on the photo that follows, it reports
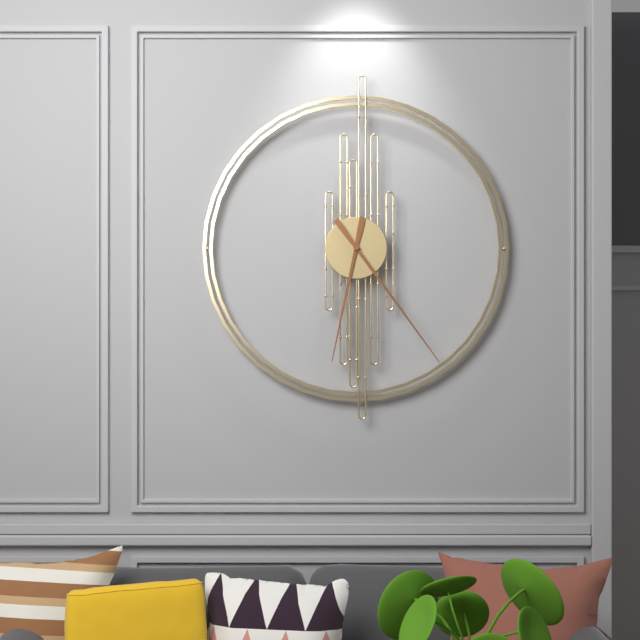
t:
6h24
